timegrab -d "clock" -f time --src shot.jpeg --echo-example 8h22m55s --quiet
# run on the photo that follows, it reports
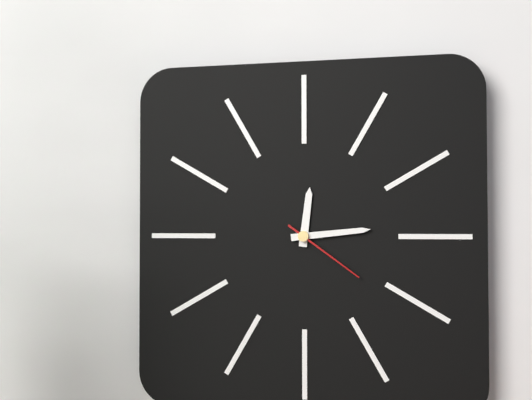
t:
12h14m21s
